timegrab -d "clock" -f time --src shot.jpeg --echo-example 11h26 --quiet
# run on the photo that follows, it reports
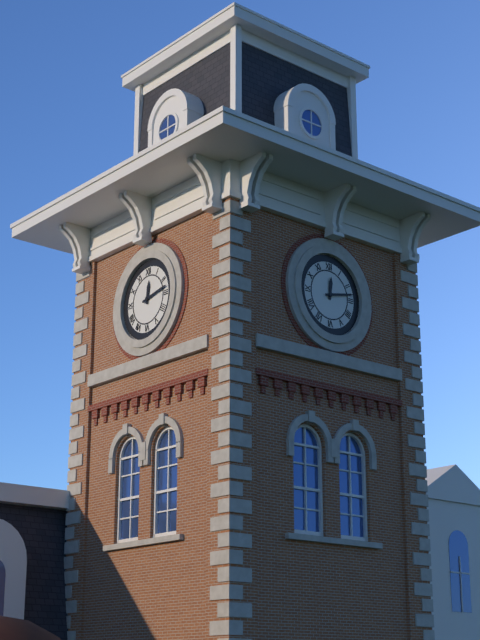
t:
12h13
